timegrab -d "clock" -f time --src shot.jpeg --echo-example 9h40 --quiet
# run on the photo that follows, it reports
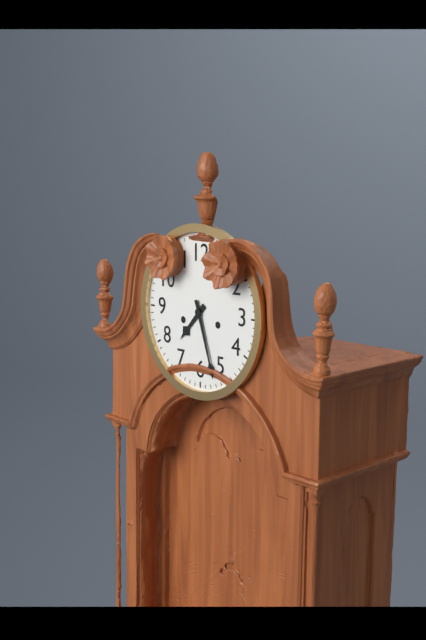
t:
7h27
